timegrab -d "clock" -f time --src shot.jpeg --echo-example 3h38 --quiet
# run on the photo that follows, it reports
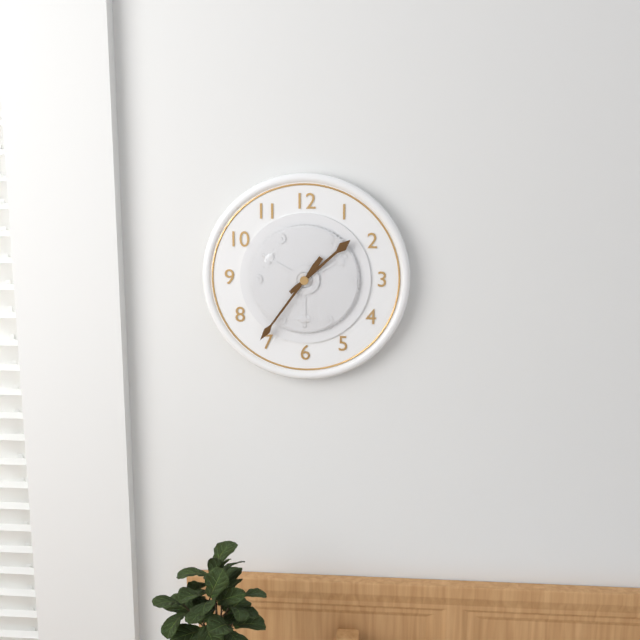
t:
1h36
